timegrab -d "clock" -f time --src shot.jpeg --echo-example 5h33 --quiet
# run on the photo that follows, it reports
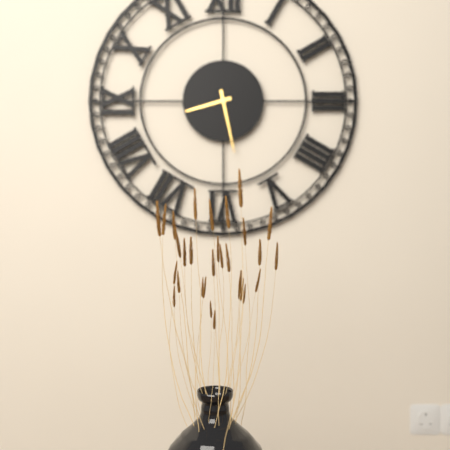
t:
8h28
